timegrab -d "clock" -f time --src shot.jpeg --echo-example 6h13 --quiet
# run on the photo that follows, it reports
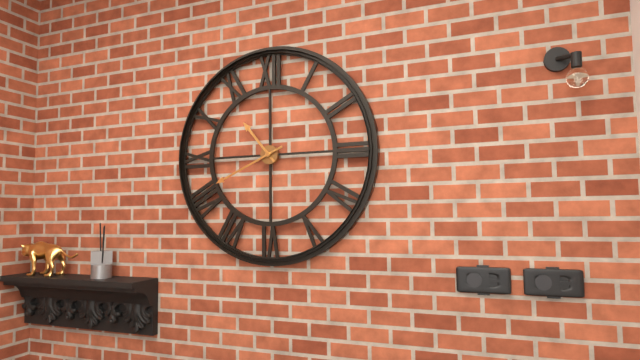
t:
10h41
